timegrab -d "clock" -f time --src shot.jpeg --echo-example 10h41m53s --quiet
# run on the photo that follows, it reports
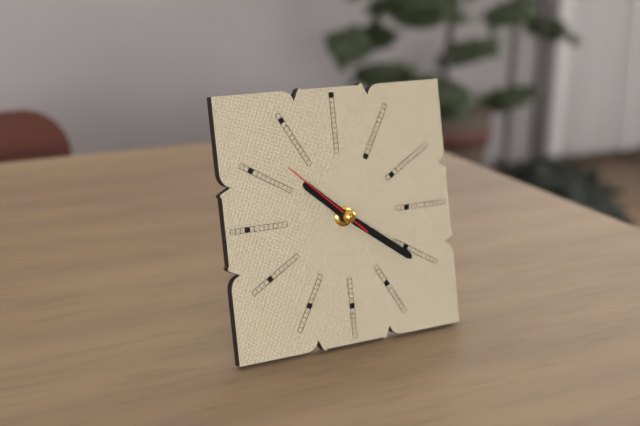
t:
10h21m52s
